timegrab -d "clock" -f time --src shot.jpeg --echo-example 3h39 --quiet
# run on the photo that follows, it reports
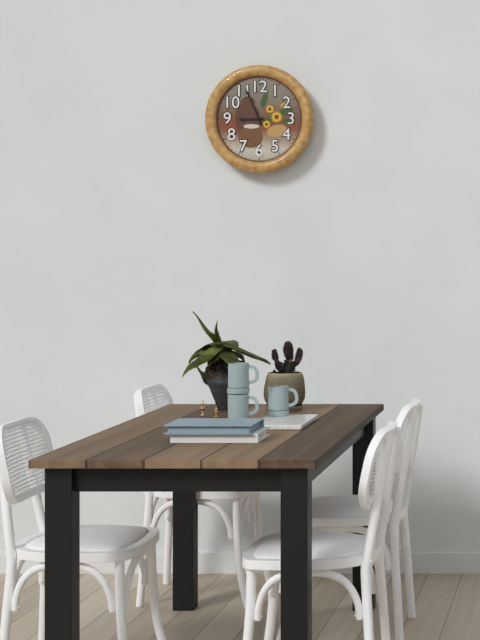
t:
8h56
